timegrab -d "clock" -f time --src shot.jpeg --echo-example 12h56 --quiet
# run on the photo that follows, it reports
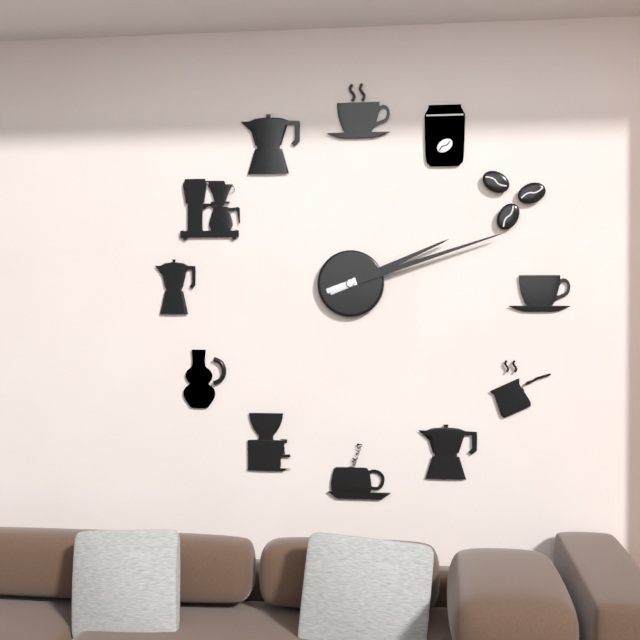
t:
2h12
